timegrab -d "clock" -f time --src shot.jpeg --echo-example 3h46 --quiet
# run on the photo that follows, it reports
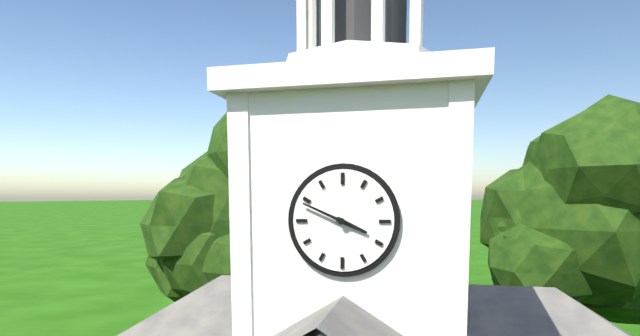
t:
3h49
